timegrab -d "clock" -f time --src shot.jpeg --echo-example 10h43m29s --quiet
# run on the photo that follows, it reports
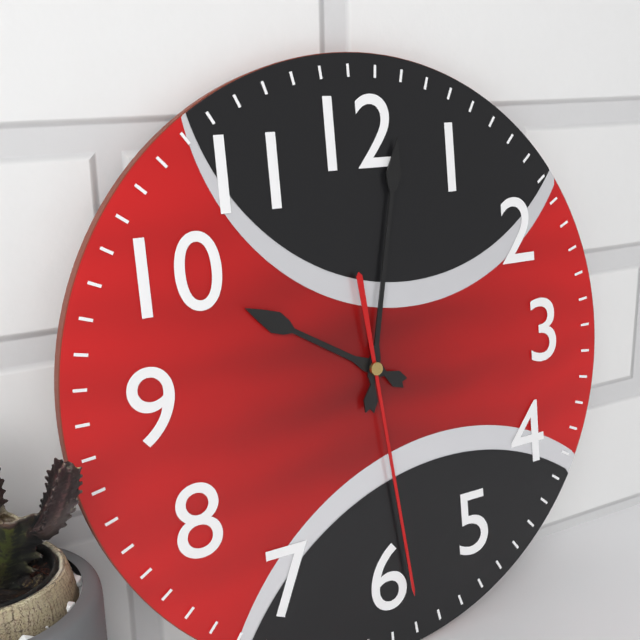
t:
10h02m29s
